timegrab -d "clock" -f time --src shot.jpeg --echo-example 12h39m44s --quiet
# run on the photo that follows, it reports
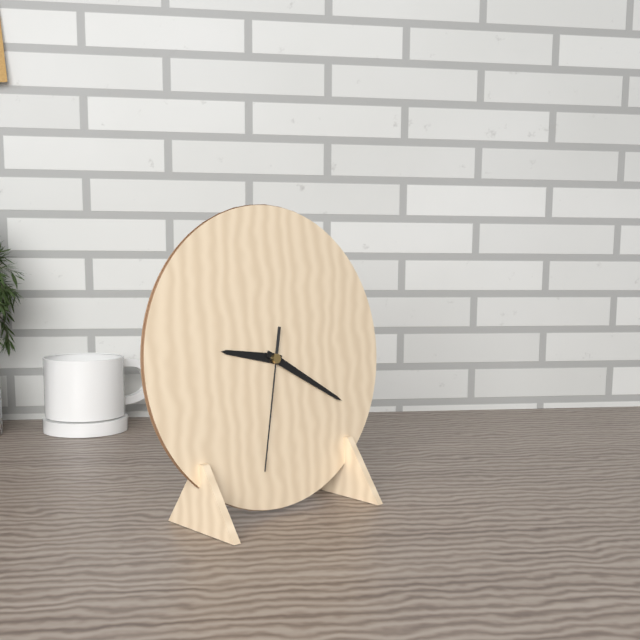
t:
9h20m32s
